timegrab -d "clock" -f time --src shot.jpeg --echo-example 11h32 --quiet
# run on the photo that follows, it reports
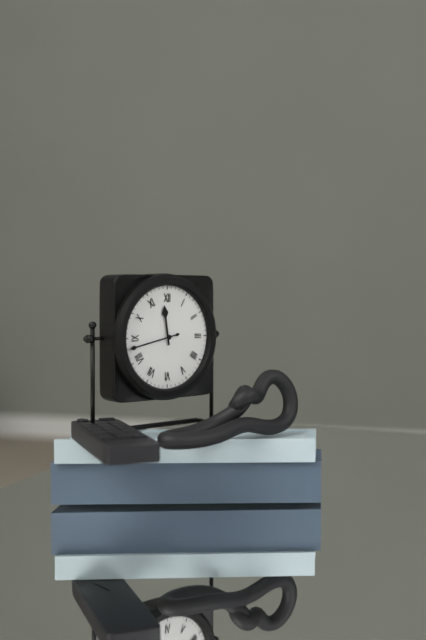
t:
11h43
